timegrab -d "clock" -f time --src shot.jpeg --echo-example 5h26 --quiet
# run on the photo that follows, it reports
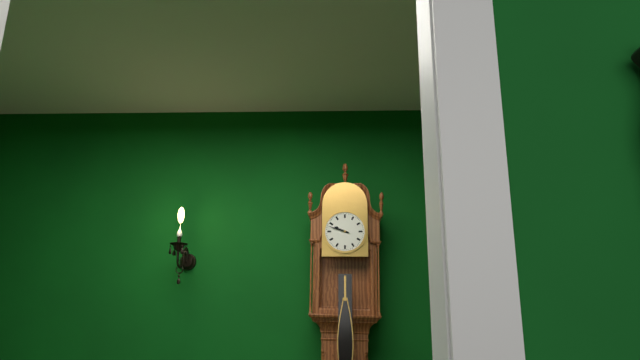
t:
9h48
